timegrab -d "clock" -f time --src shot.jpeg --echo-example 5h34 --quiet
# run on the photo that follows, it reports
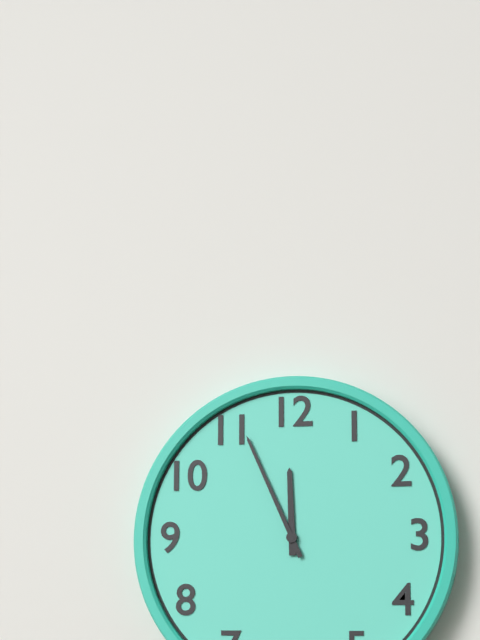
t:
11h56
